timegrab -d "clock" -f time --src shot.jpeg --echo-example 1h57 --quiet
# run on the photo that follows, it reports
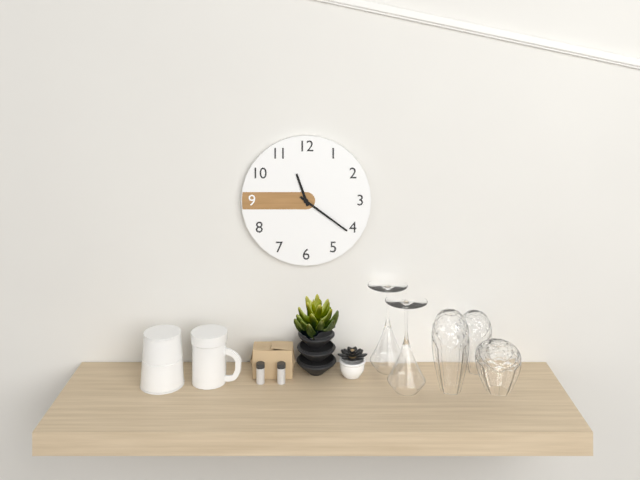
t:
11h21
